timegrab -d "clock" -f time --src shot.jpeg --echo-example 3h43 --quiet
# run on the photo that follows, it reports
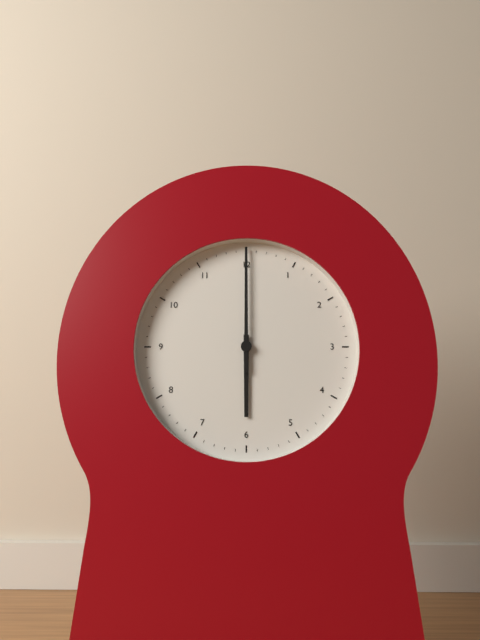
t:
6h00
